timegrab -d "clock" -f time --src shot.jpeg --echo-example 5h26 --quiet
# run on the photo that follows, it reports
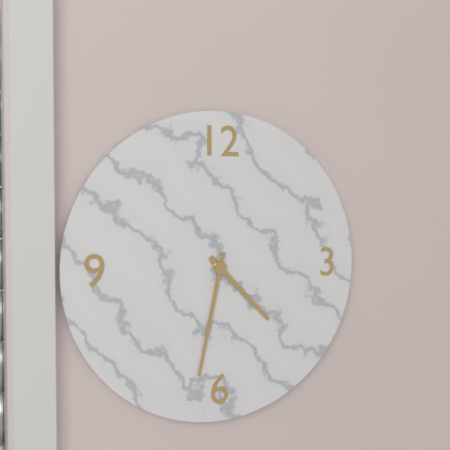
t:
4h32
